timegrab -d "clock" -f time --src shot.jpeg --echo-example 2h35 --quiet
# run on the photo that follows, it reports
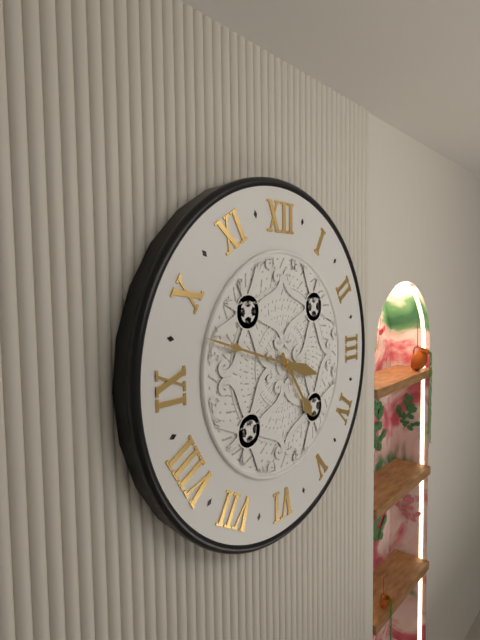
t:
4h48
